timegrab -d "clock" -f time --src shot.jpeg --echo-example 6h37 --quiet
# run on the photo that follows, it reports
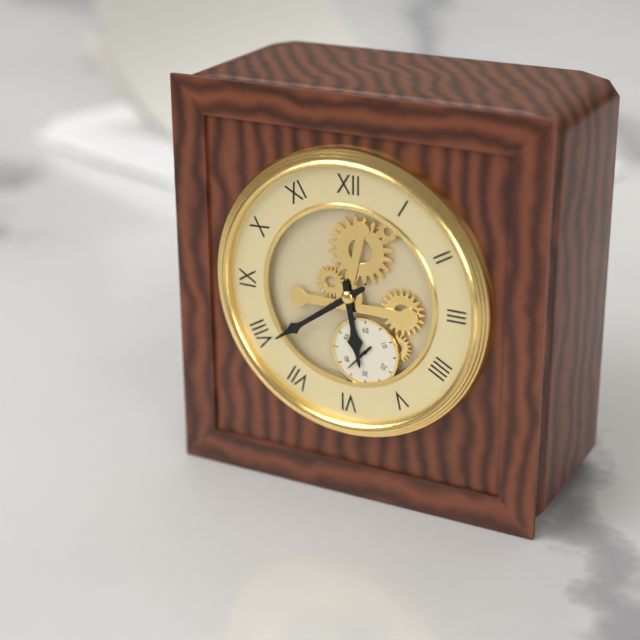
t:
5h39
